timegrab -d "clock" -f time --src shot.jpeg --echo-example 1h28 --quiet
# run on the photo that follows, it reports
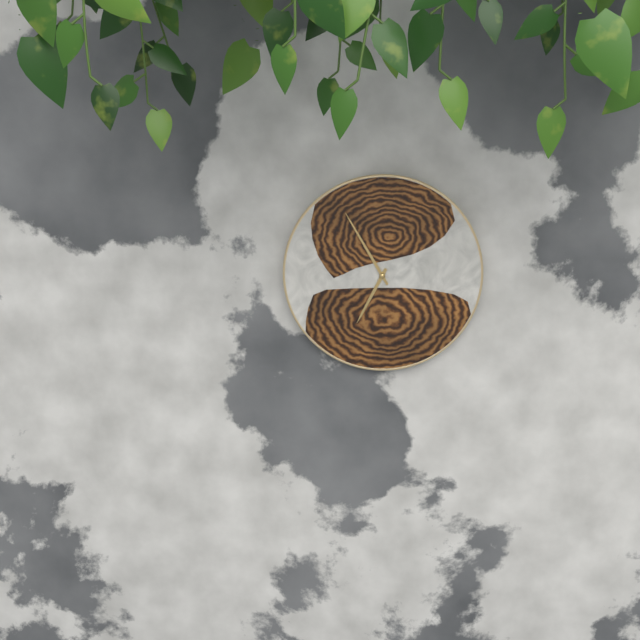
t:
6h55
